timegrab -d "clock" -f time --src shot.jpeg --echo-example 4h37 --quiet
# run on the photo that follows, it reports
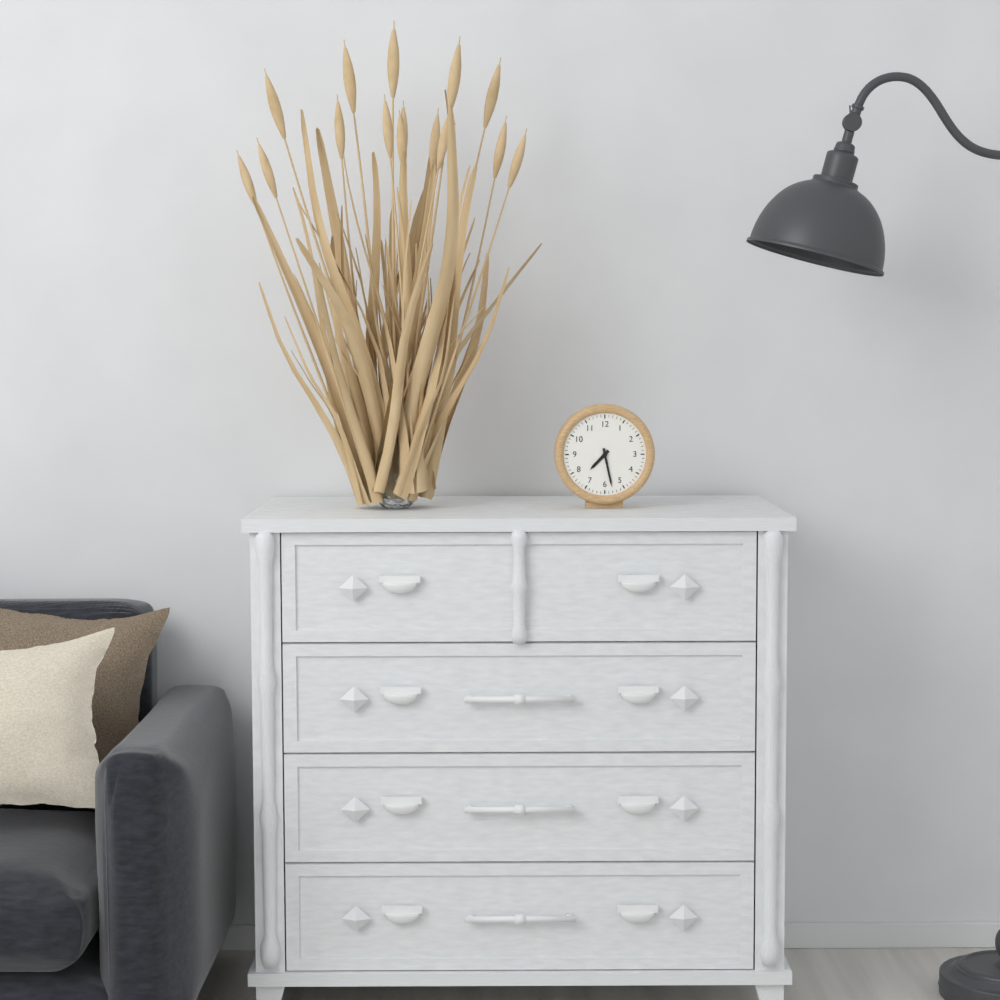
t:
7h28
